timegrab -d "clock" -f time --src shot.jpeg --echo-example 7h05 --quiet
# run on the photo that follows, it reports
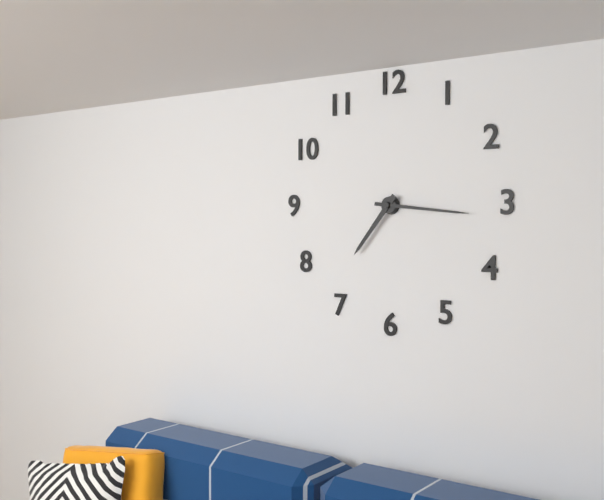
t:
7h16
